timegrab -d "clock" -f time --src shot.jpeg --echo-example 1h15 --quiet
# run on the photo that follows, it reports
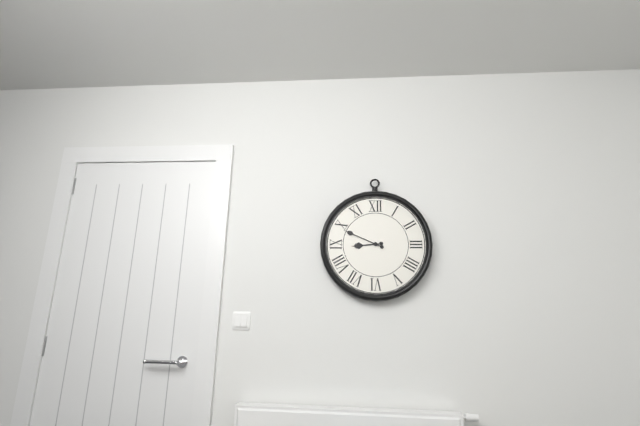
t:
8h49
